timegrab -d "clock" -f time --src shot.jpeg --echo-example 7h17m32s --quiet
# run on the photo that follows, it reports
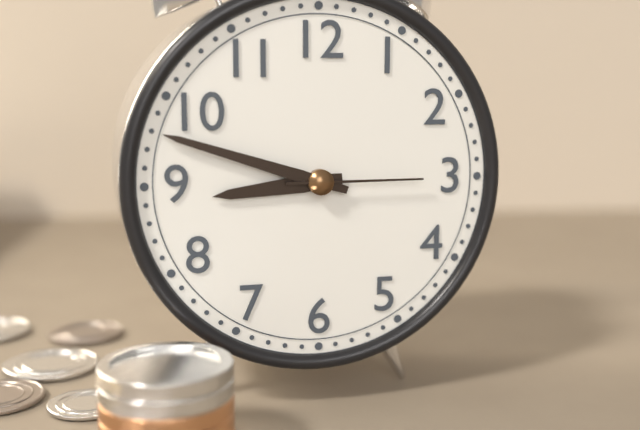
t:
8h48m15s
